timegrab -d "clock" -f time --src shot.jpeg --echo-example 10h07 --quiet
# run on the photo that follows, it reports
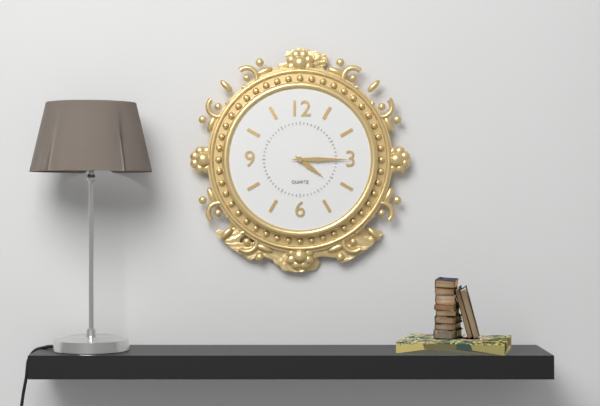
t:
4h15
